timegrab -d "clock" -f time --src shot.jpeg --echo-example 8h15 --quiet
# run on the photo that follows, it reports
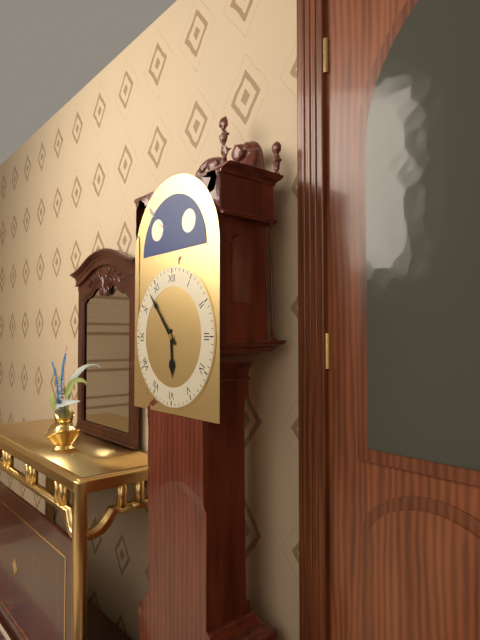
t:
5h53
